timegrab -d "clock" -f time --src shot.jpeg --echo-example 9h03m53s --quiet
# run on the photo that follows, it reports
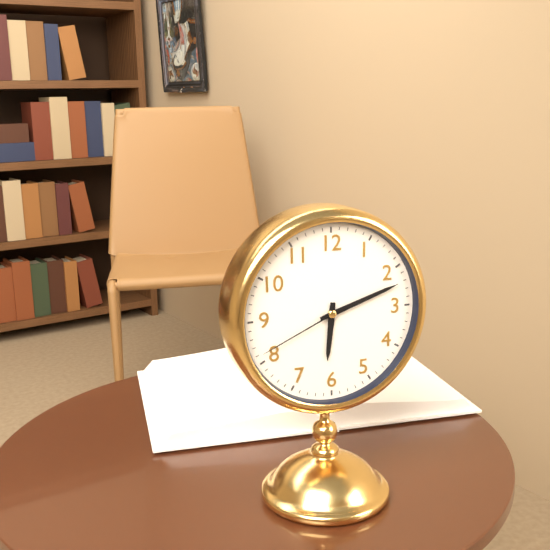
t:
6h12m41s
